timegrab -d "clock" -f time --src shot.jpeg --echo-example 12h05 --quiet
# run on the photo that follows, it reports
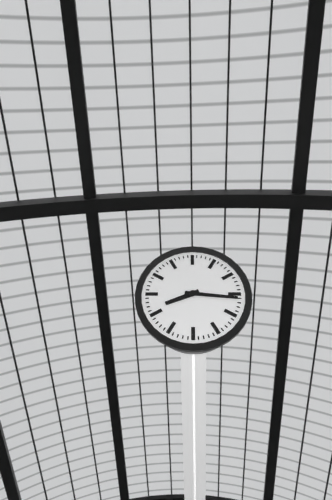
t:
8h16
